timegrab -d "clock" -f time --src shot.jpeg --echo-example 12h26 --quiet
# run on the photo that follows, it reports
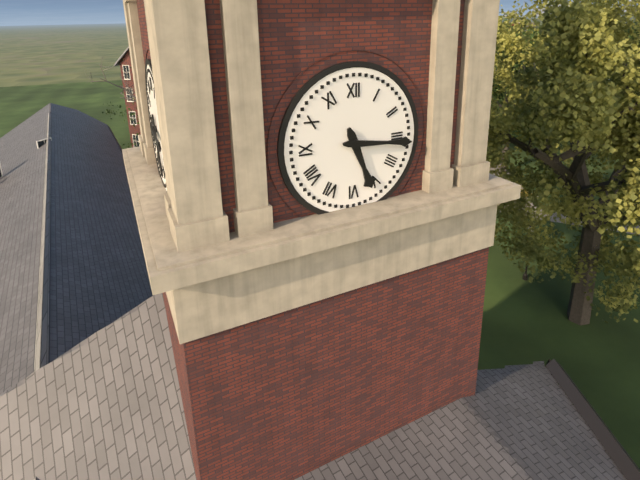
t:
5h16
